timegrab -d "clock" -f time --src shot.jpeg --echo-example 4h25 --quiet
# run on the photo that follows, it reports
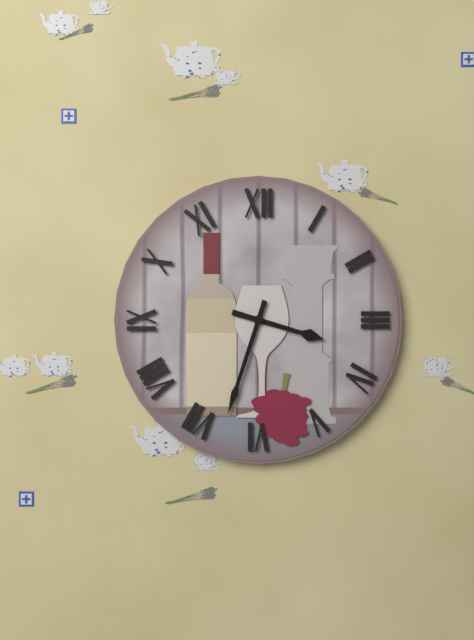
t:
3h33
